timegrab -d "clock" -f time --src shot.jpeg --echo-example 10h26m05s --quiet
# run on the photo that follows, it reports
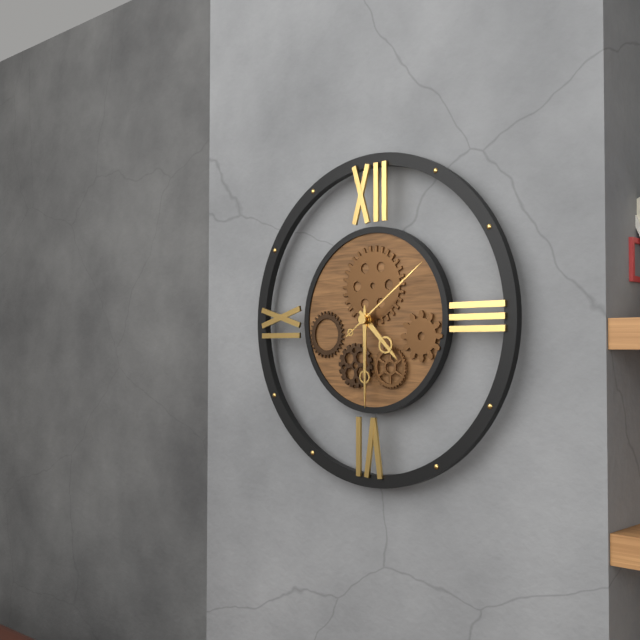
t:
4h30m09s
